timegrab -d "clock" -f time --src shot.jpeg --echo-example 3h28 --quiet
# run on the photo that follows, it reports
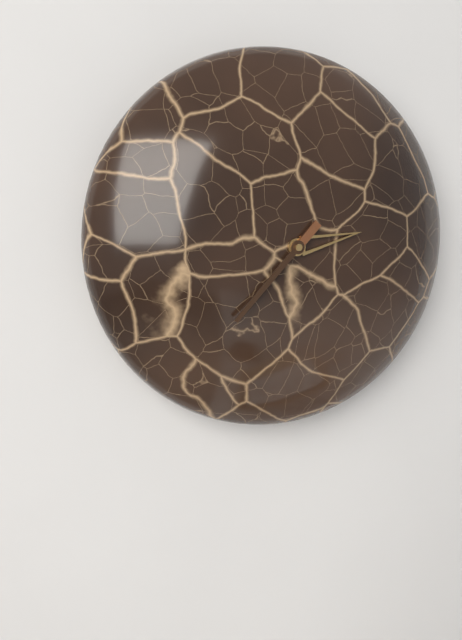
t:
2h37
